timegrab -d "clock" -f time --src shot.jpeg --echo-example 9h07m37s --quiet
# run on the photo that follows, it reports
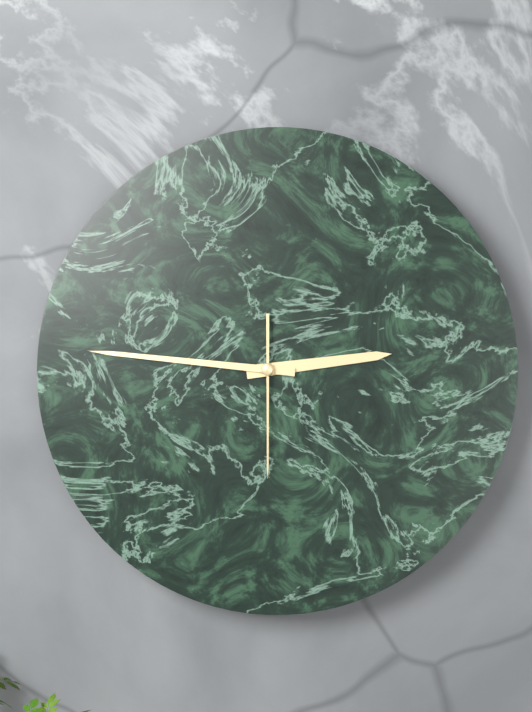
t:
2h46m30s
